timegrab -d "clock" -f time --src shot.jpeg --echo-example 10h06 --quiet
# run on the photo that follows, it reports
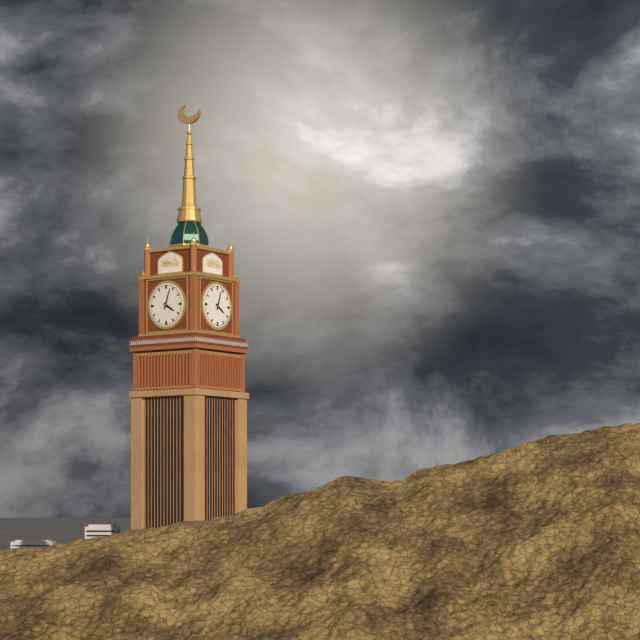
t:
4h03
